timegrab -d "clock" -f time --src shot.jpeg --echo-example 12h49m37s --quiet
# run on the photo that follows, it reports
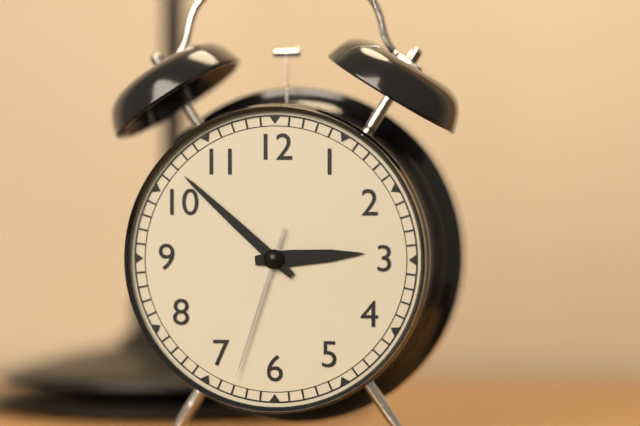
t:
2h52m33s
